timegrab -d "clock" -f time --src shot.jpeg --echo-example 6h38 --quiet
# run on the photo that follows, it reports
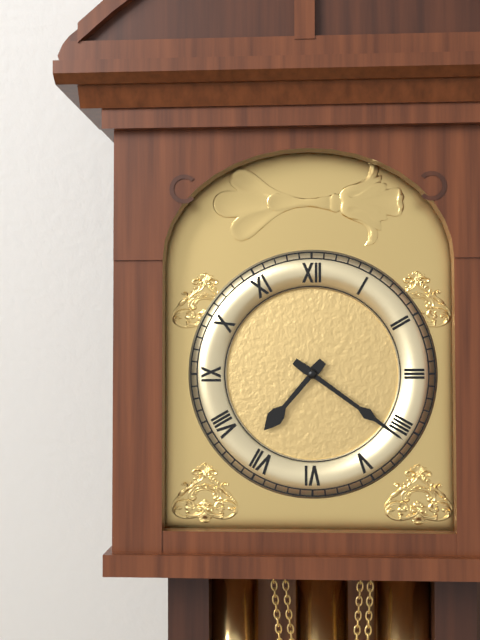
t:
7h21
